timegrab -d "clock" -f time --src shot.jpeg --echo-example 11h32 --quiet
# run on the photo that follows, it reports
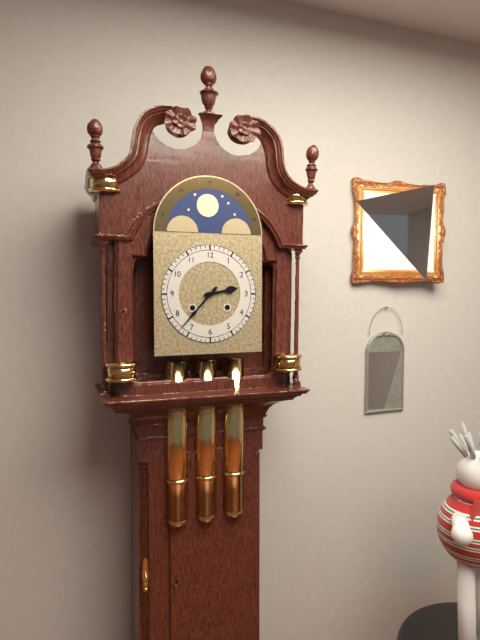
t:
2h37
